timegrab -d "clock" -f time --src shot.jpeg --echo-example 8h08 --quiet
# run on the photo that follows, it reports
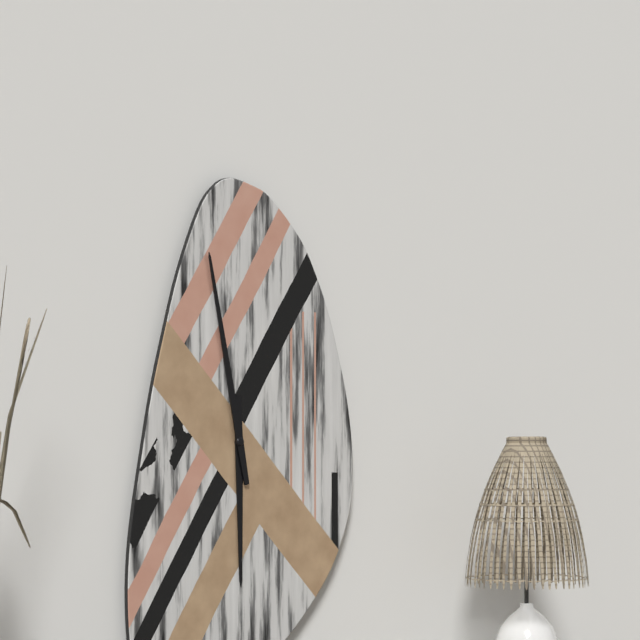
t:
5h58
